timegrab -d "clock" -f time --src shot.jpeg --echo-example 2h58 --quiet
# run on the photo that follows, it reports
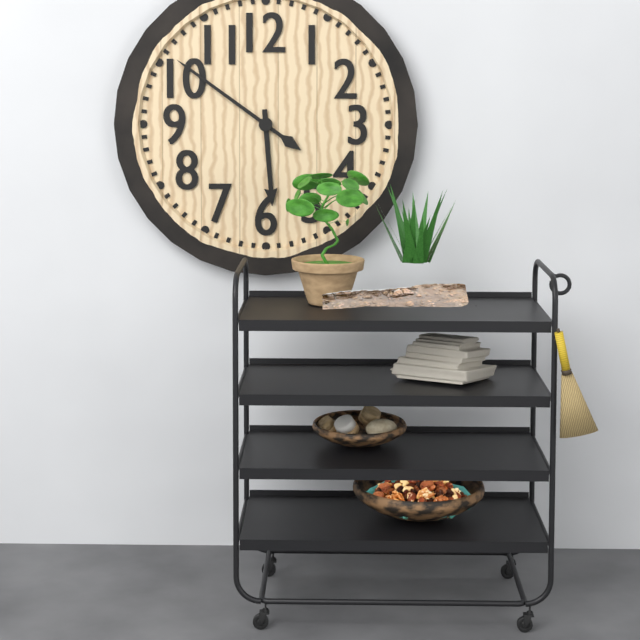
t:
5h51
